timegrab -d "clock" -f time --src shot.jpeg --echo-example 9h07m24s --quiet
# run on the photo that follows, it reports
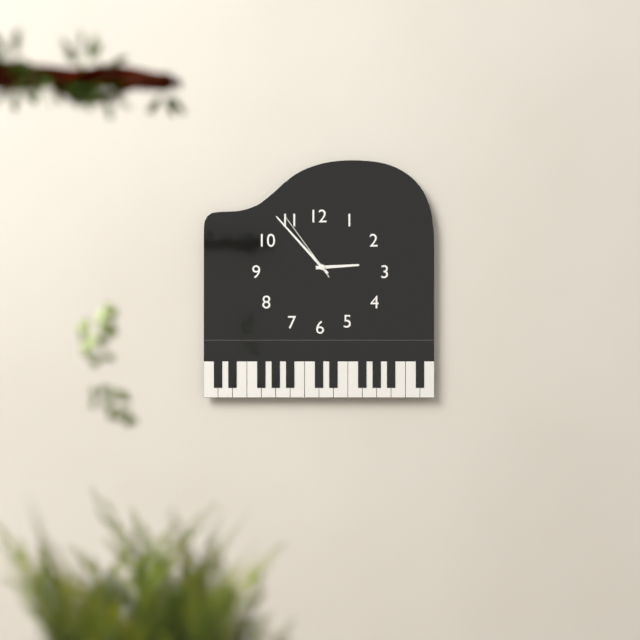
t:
2h53m54s
